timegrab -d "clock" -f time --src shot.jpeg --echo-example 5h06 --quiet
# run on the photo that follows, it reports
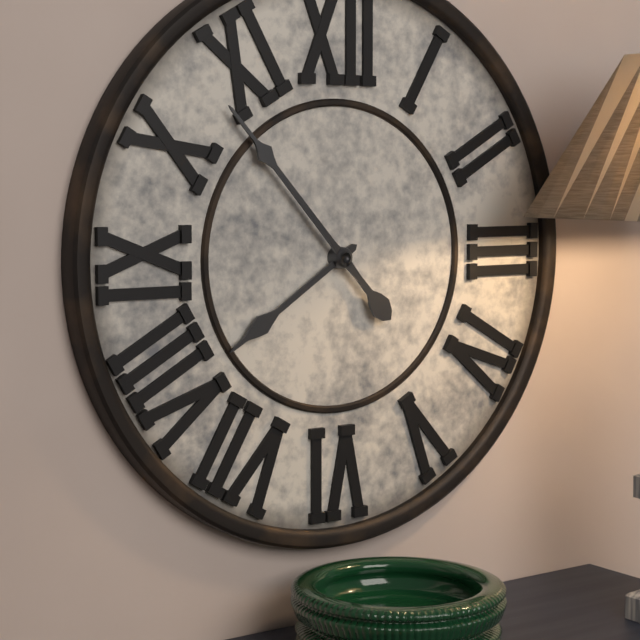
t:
7h53
